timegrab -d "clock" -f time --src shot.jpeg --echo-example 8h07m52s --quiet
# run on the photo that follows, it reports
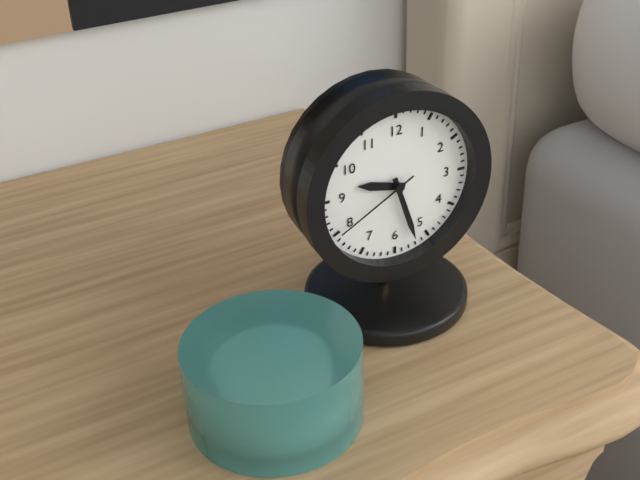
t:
9h27m40s
